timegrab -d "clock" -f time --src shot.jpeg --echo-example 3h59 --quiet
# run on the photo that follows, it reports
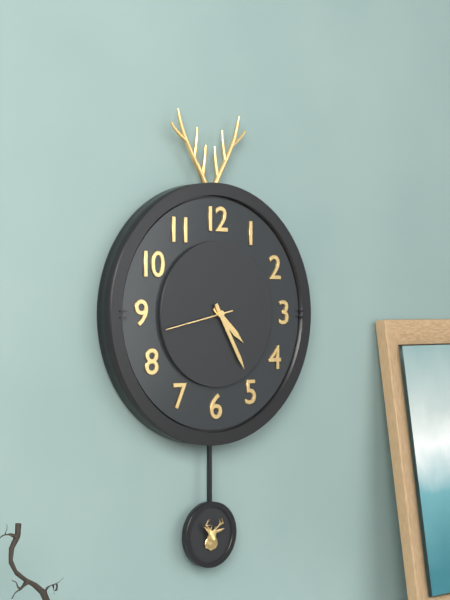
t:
4h25
